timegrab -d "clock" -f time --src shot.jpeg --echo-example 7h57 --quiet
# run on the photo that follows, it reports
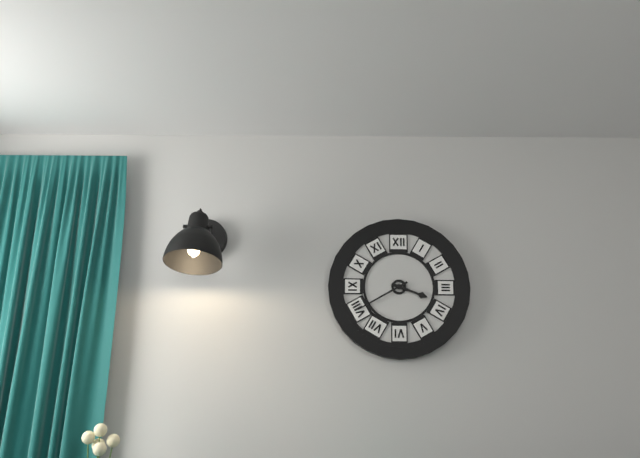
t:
3h40
